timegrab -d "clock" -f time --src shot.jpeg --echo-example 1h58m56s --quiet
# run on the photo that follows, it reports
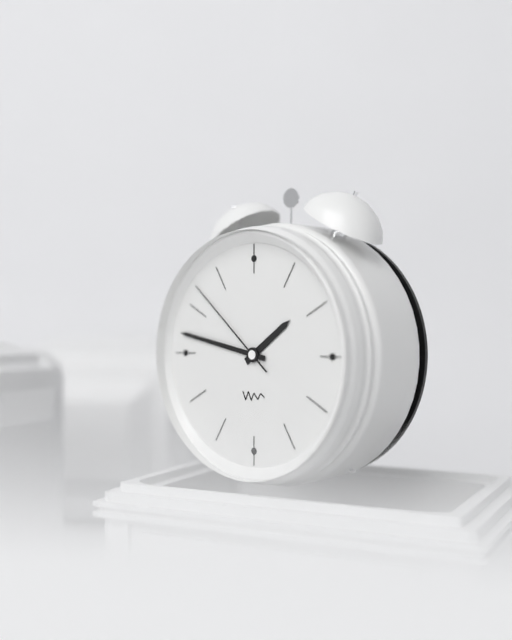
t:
1h47m52s
